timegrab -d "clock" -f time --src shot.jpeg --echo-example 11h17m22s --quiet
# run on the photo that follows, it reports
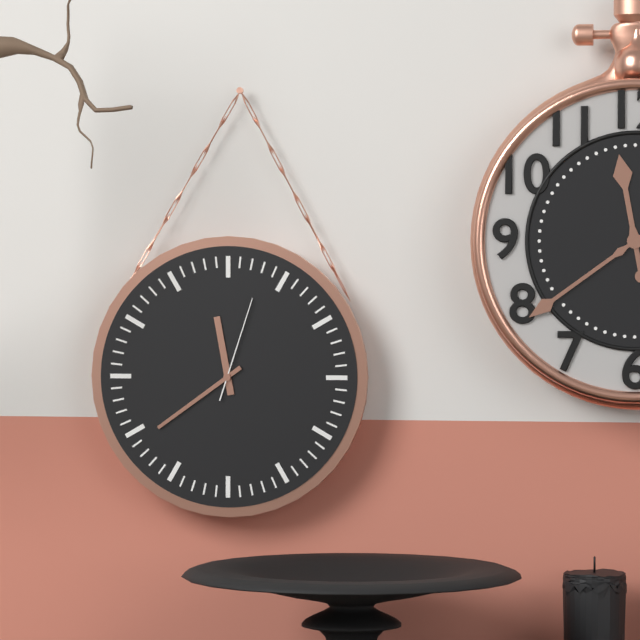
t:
11h39m03s
